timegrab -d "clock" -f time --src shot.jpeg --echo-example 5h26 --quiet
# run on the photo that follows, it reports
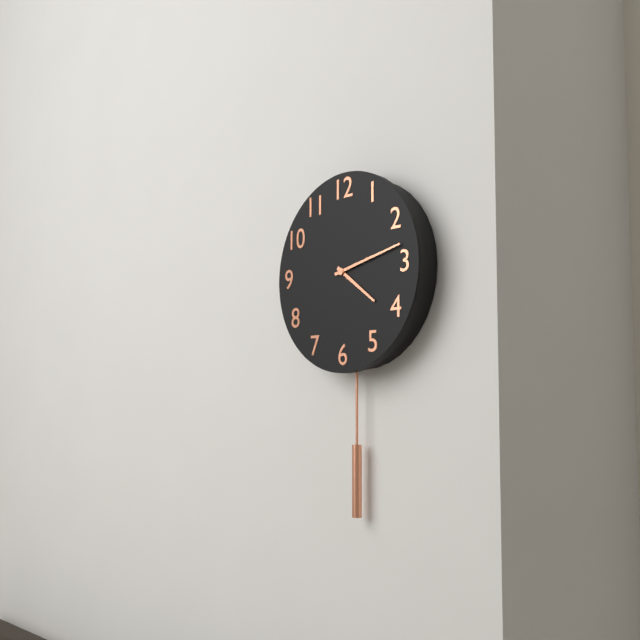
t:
4h13
